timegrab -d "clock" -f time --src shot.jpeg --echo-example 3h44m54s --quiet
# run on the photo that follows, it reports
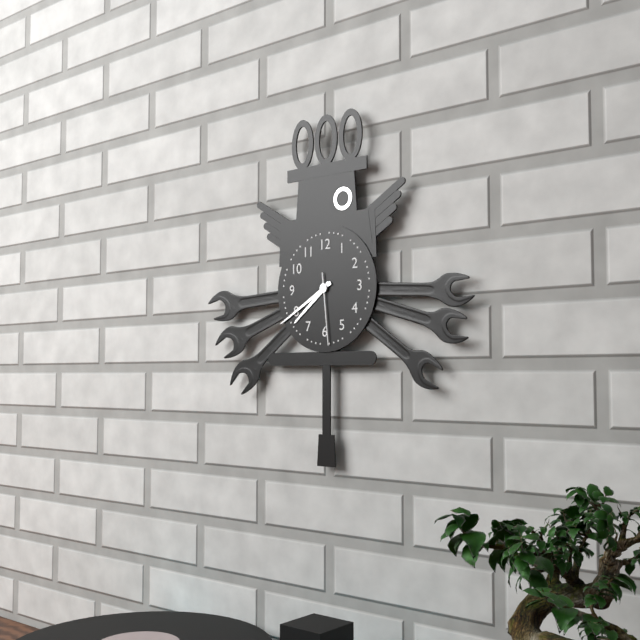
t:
7h40m29s
